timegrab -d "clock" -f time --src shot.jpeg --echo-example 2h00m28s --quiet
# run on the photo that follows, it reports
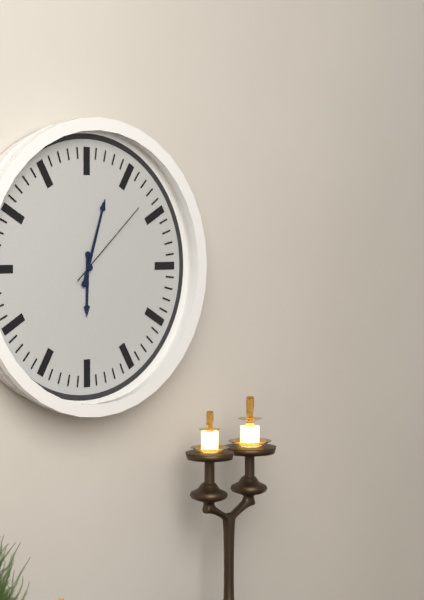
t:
6h03m08s
